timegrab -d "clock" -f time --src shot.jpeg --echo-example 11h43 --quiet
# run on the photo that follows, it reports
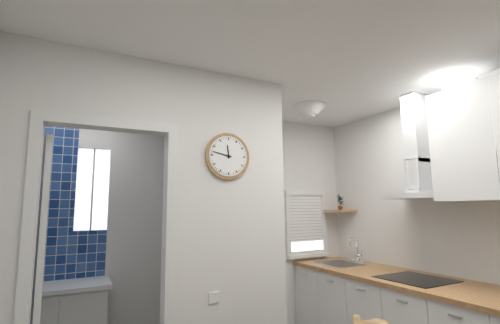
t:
11h47
